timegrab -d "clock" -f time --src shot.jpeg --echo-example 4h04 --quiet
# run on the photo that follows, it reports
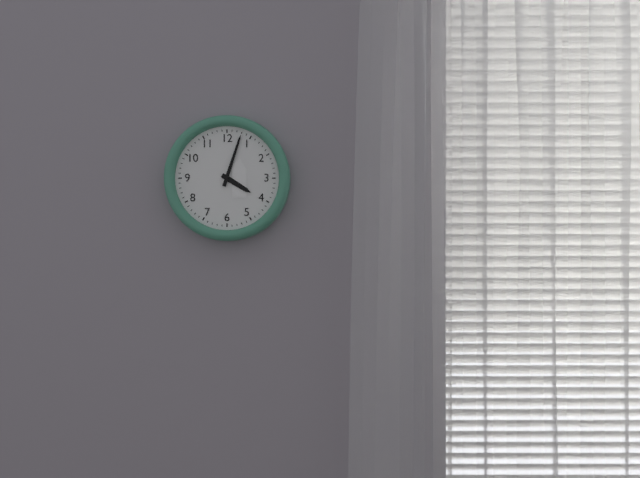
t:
4h03
